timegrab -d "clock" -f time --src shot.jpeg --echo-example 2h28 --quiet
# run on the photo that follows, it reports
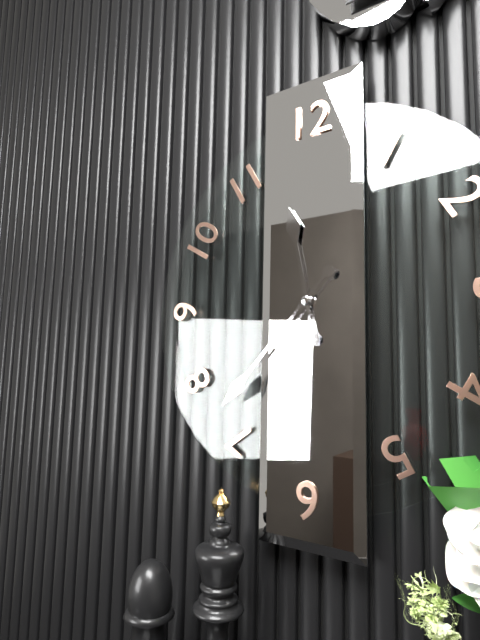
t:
11h37
